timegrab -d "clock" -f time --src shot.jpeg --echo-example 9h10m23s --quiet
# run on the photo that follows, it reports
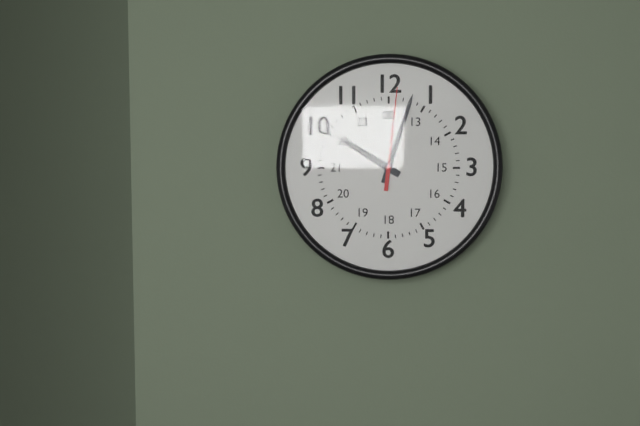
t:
10h03m01s
